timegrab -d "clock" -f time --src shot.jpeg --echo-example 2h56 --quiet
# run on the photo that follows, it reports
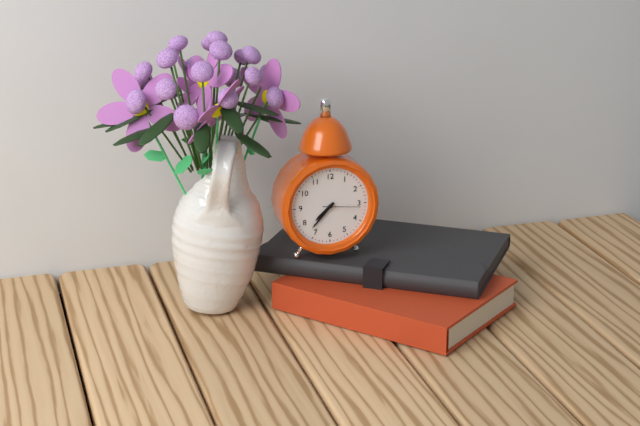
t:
7h37
